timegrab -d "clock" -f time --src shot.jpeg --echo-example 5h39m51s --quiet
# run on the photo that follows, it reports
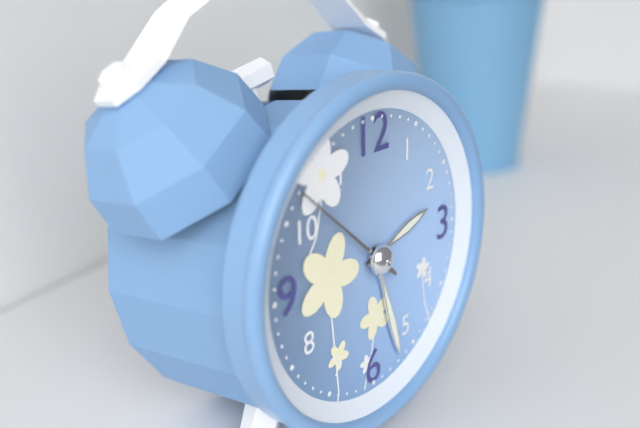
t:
2h27m52s
